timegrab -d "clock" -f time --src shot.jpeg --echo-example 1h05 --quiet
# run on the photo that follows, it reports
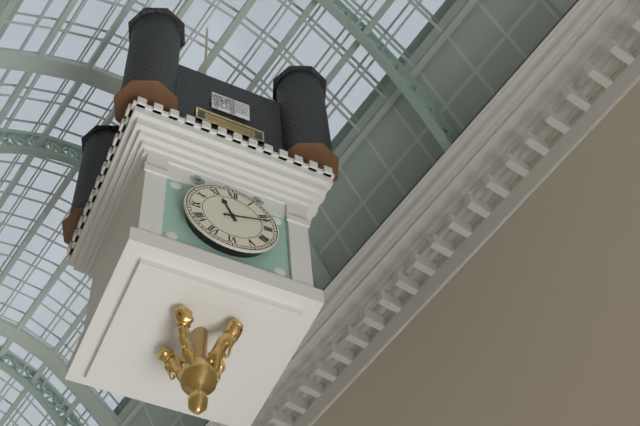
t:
11h12
